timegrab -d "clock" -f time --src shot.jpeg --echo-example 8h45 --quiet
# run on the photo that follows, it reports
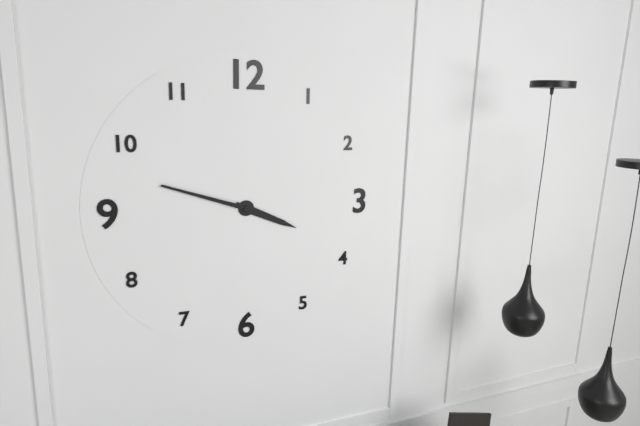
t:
3h48
